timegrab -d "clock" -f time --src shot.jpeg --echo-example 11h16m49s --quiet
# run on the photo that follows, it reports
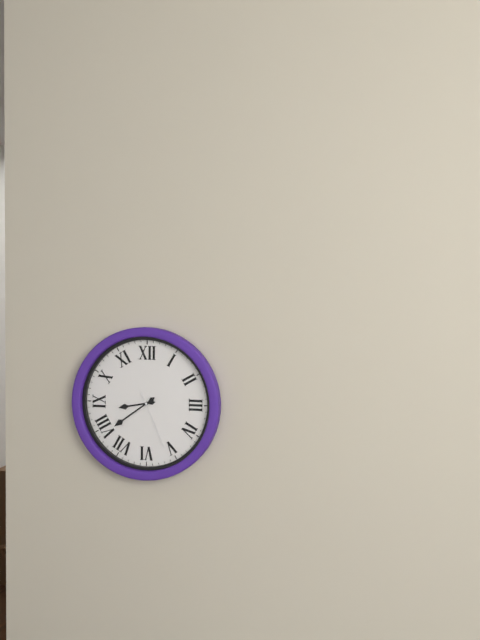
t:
8h39m26s
